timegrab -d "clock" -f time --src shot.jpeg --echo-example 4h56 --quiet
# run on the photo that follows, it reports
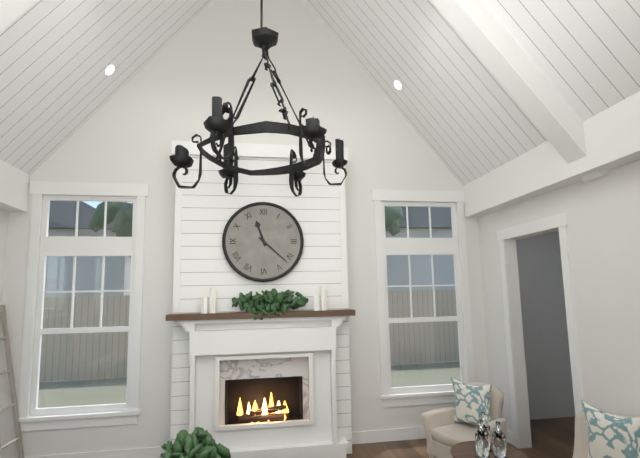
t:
11h22
